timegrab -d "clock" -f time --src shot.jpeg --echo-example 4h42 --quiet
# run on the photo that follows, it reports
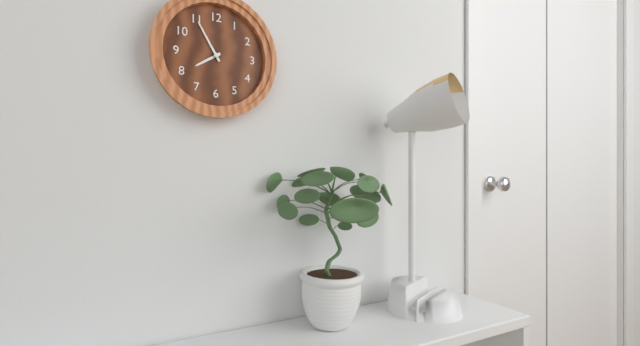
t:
7h55
